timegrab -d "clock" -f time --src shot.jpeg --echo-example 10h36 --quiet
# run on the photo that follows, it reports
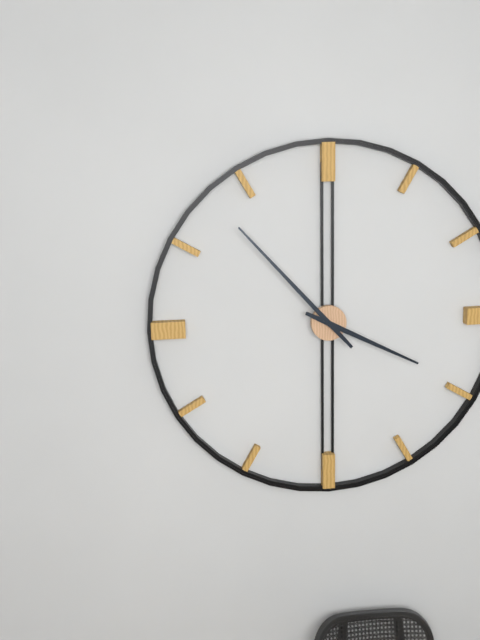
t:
3h53
